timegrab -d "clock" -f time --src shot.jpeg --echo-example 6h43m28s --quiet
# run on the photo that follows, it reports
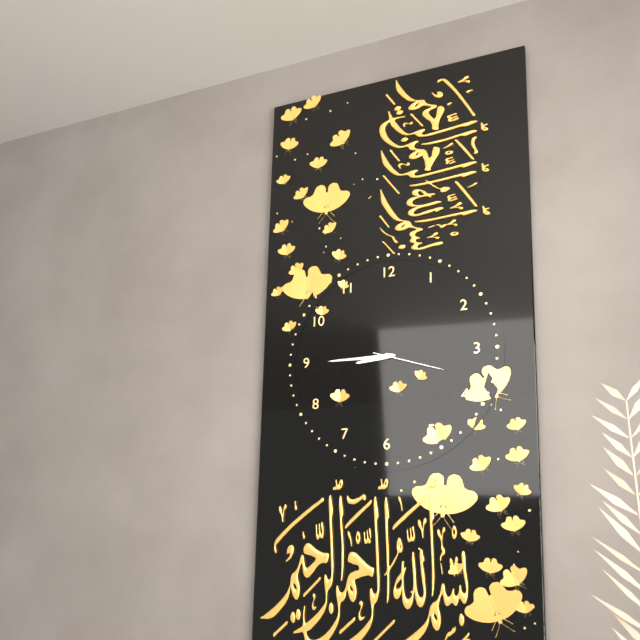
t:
8h45m18s
